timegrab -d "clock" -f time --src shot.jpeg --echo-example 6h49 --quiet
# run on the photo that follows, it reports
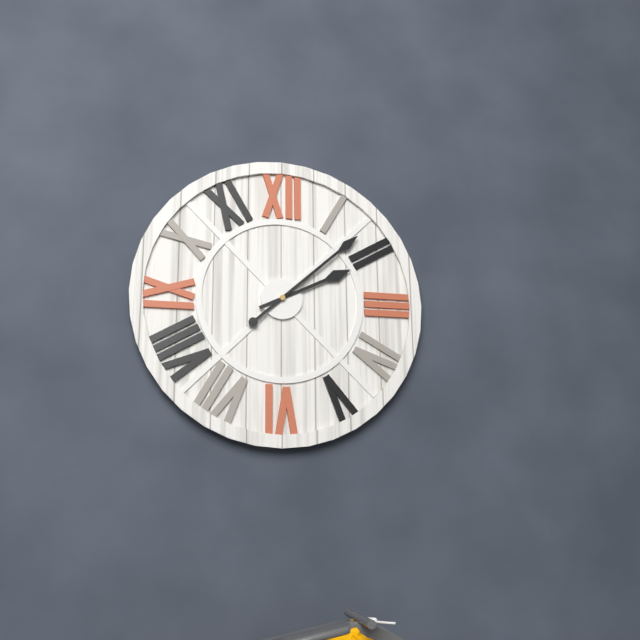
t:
2h08
